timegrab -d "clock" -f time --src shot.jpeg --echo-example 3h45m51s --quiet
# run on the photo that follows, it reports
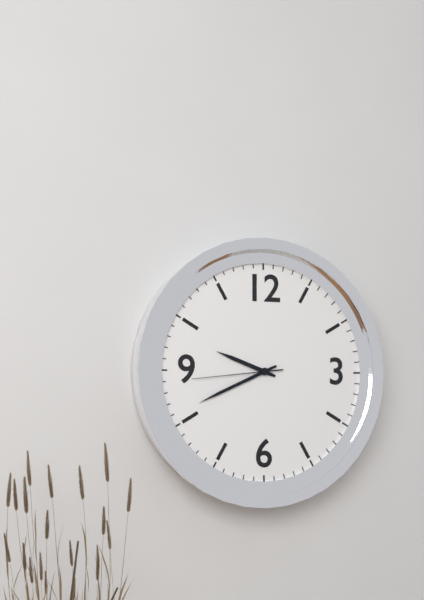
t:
9h41m44s
